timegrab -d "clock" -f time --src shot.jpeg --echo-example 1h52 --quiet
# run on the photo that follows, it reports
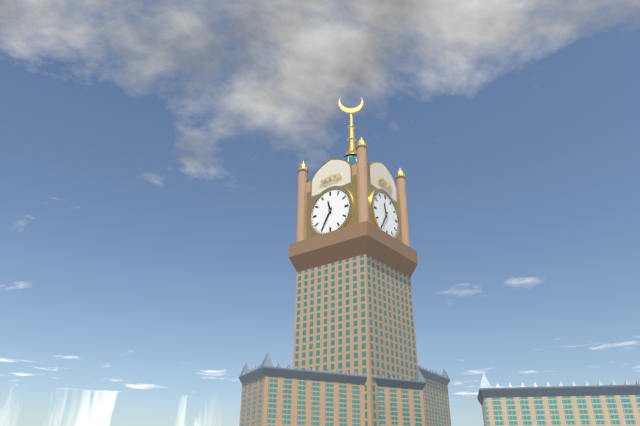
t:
11h35
